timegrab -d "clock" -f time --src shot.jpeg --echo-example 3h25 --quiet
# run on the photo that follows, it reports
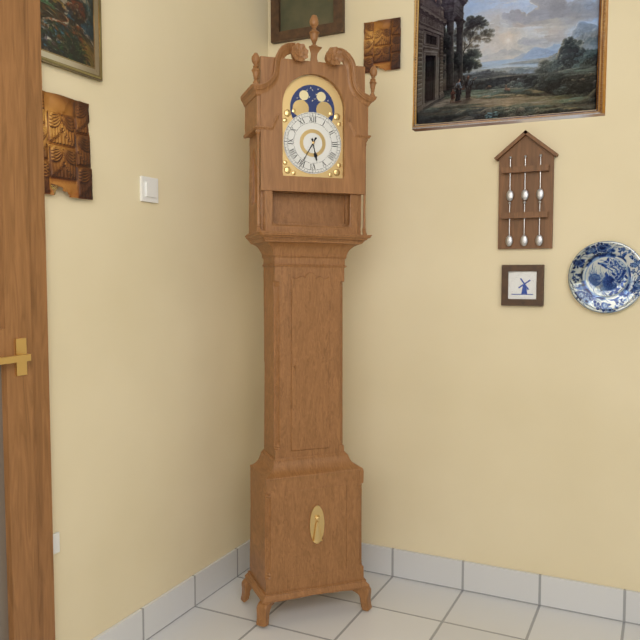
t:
5h35
